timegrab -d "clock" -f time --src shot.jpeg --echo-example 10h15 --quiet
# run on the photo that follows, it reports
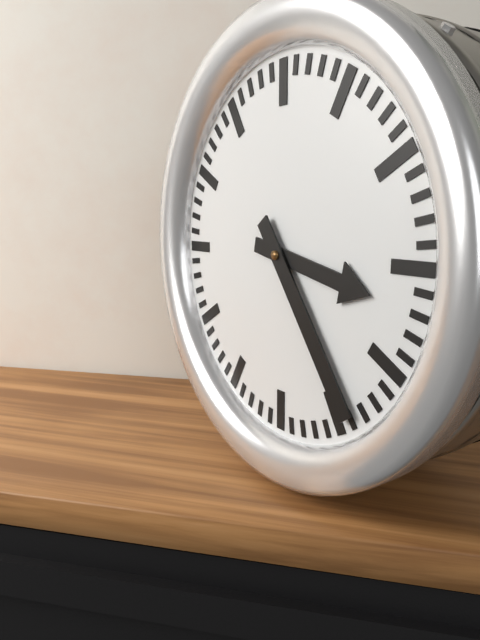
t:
3h24
